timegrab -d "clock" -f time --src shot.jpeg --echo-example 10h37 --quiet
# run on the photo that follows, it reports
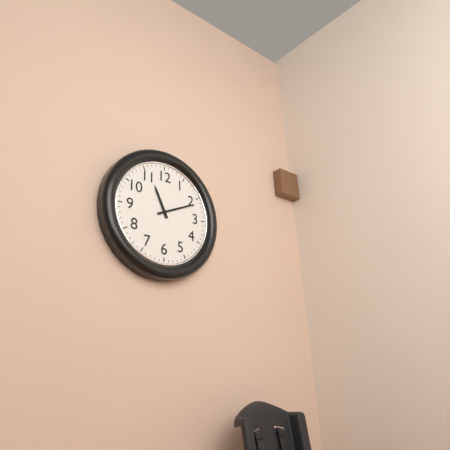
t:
11h11
